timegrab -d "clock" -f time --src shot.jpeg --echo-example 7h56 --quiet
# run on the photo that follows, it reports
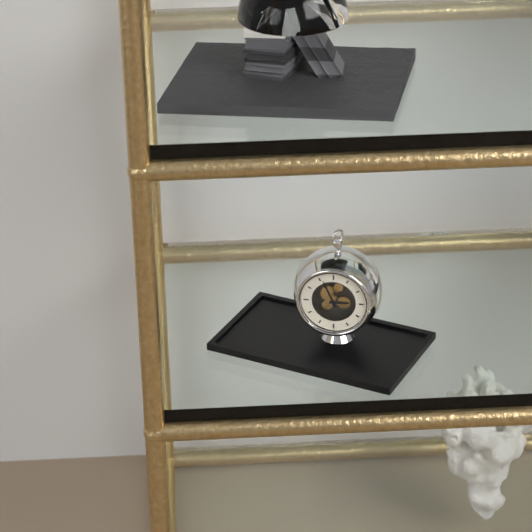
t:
2h56
